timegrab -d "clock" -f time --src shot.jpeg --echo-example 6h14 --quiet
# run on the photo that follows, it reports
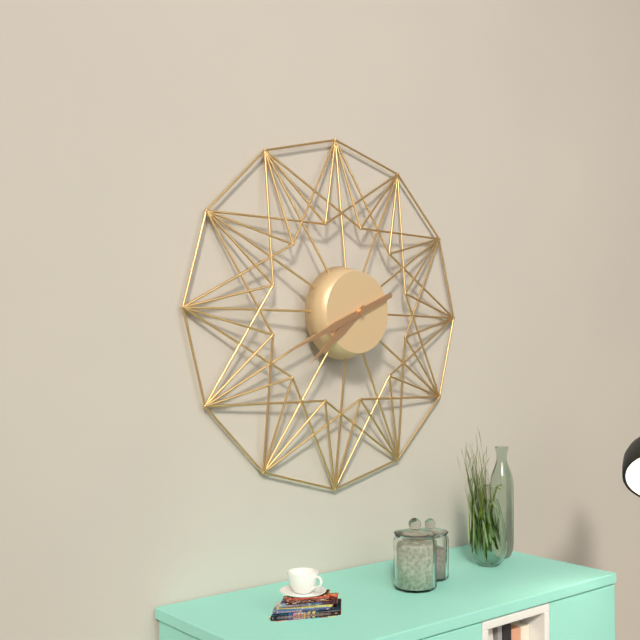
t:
7h41
